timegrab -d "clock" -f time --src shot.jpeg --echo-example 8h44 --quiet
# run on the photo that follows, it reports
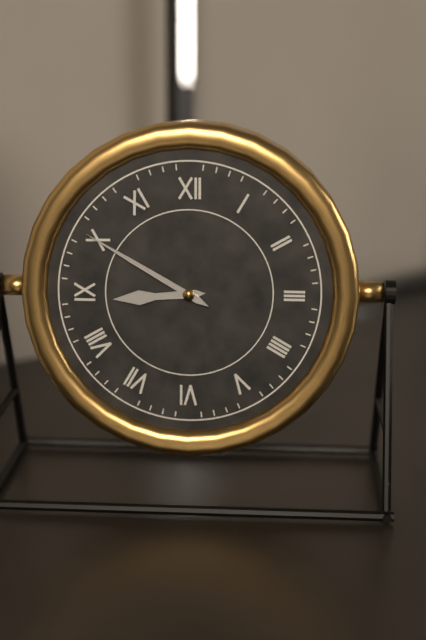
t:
8h50
